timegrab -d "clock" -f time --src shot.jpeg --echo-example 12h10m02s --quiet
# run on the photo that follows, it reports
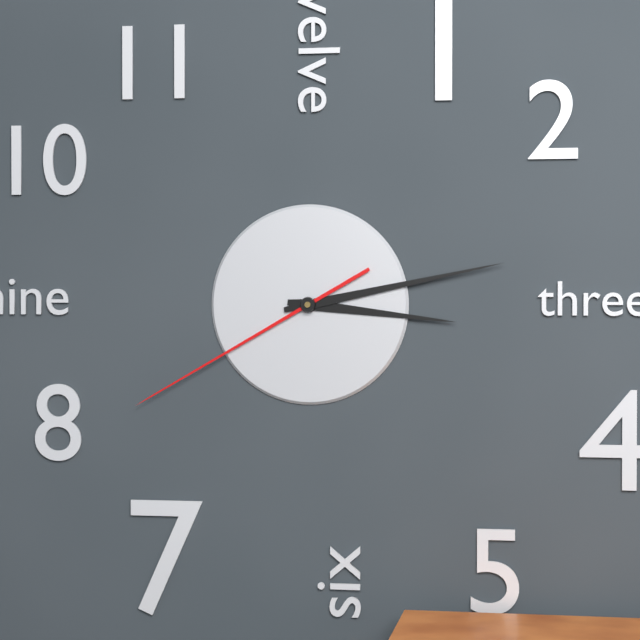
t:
3h13m40s
